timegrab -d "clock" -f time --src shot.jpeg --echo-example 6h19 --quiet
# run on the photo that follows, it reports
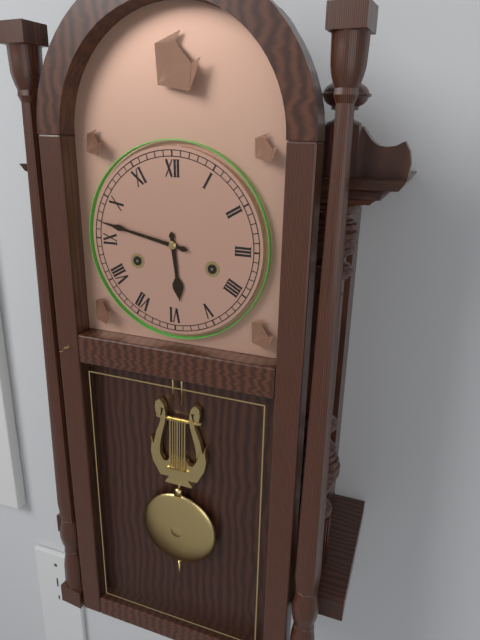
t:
5h47
